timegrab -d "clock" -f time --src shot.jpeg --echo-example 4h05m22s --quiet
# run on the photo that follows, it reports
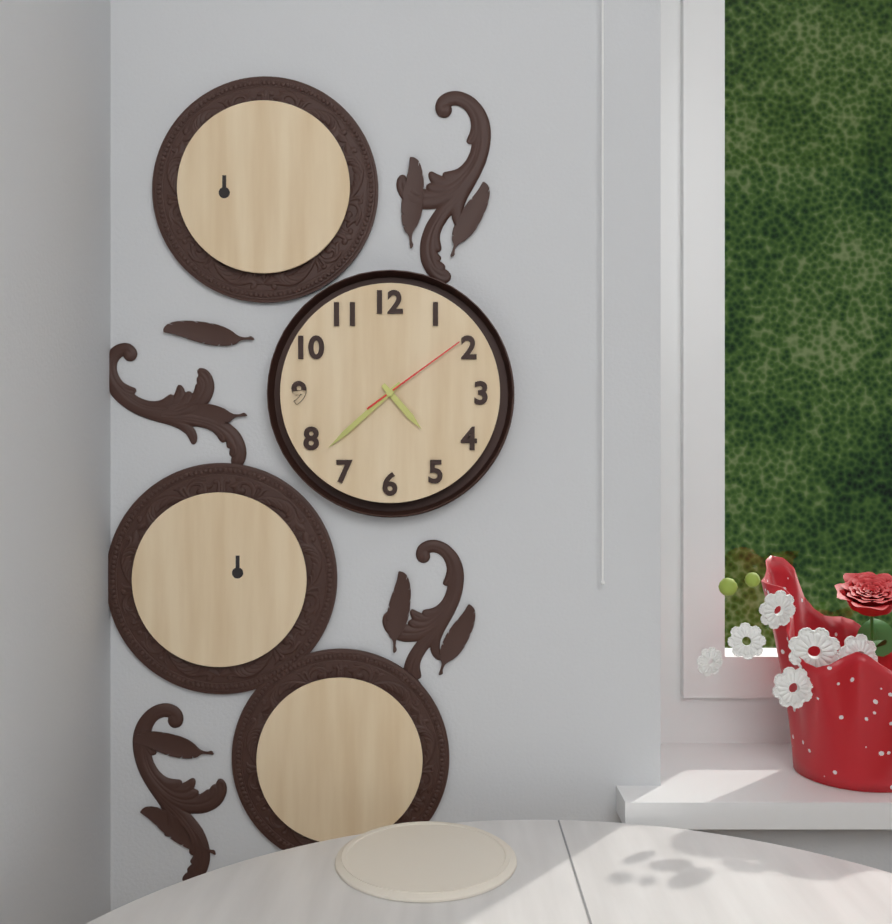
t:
4h38m09s
